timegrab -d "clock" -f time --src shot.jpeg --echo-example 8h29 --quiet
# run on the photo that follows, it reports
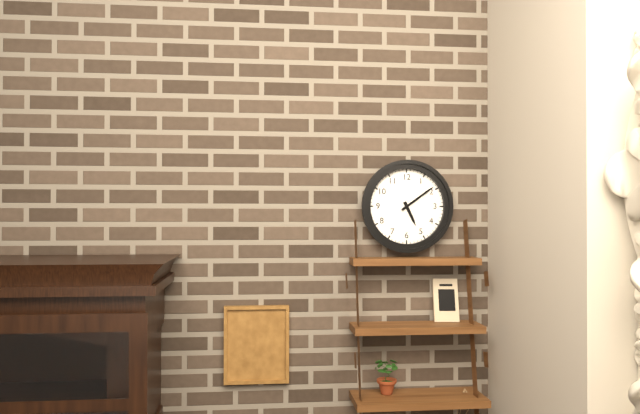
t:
5h09
